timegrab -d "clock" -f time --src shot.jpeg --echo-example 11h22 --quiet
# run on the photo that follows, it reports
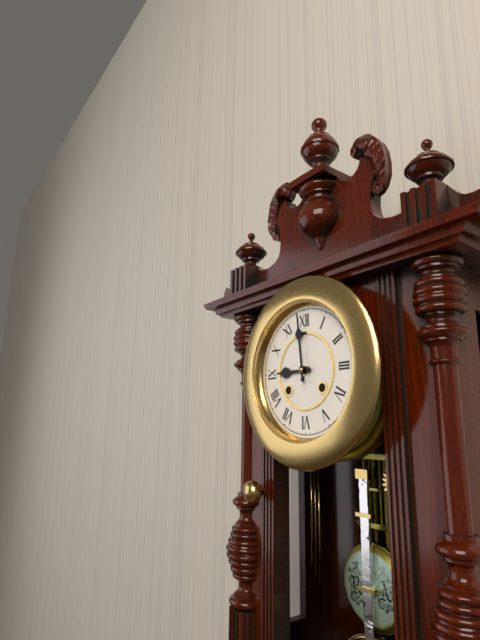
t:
8h59
